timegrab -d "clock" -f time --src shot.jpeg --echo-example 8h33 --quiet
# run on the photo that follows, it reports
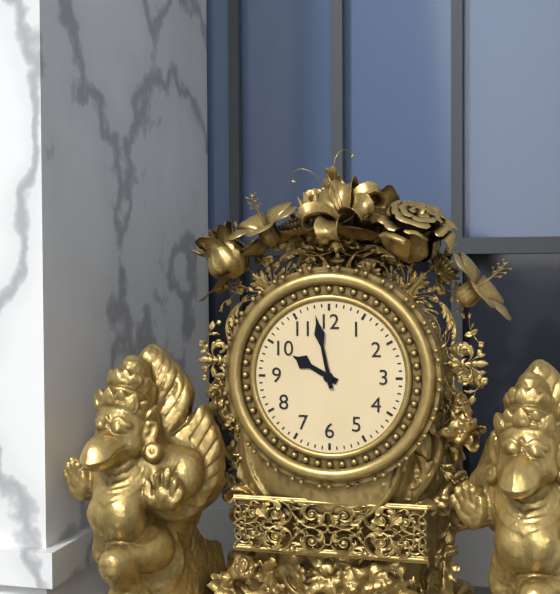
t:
9h58
